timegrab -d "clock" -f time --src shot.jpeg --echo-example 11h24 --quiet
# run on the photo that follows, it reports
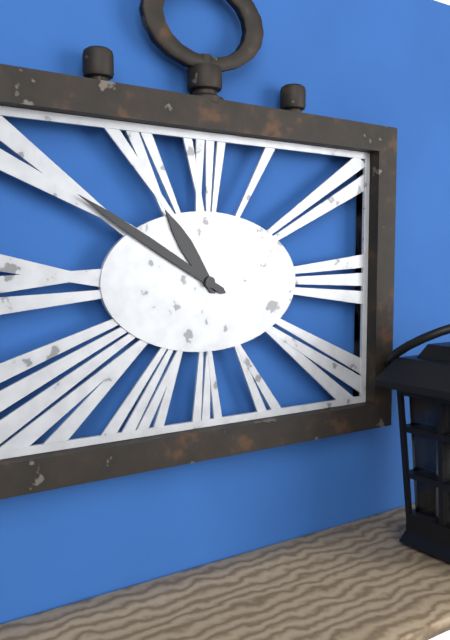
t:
10h50
